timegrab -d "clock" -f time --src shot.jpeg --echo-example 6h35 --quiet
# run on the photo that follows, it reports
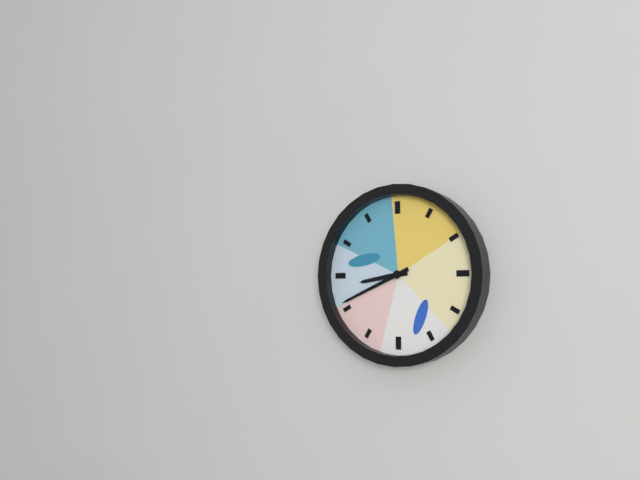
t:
8h41
